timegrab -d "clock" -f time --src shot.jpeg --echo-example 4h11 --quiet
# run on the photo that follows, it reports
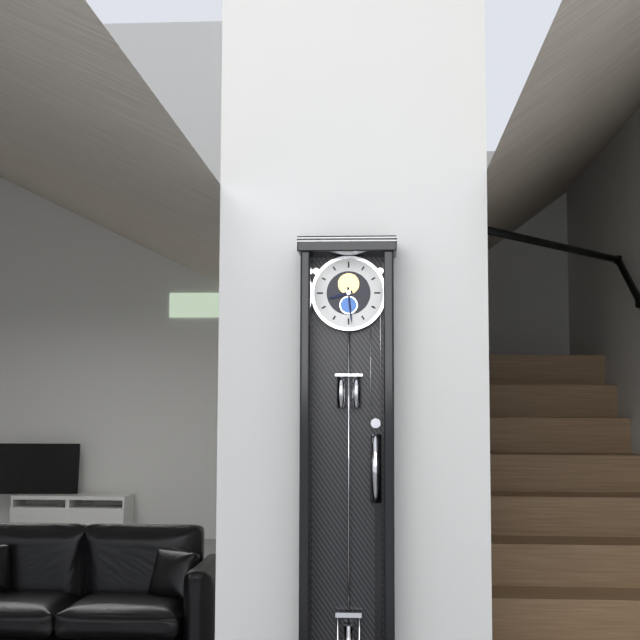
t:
8h29
